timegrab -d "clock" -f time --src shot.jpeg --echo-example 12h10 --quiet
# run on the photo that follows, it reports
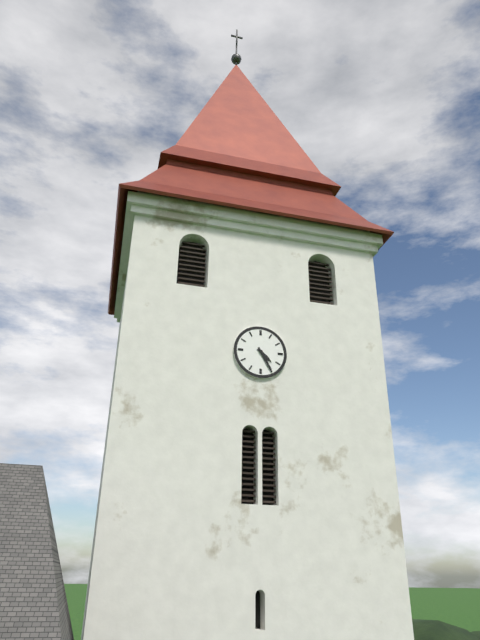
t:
4h25
